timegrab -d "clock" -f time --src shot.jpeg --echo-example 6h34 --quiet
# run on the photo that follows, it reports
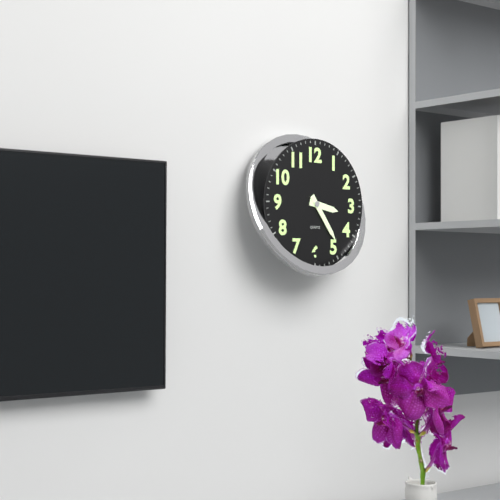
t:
3h24
